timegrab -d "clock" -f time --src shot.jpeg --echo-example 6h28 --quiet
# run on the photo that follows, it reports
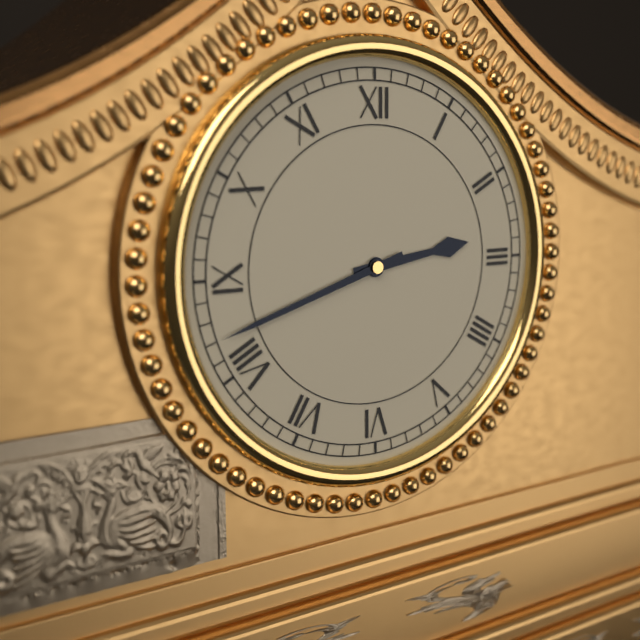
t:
2h42
